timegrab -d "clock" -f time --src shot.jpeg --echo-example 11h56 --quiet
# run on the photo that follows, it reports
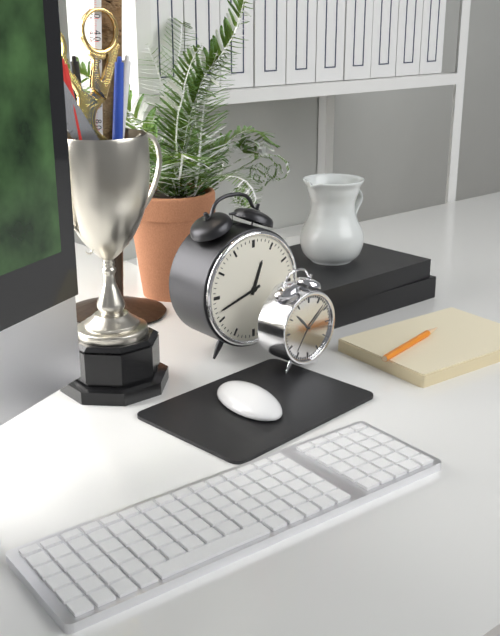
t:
12h42
